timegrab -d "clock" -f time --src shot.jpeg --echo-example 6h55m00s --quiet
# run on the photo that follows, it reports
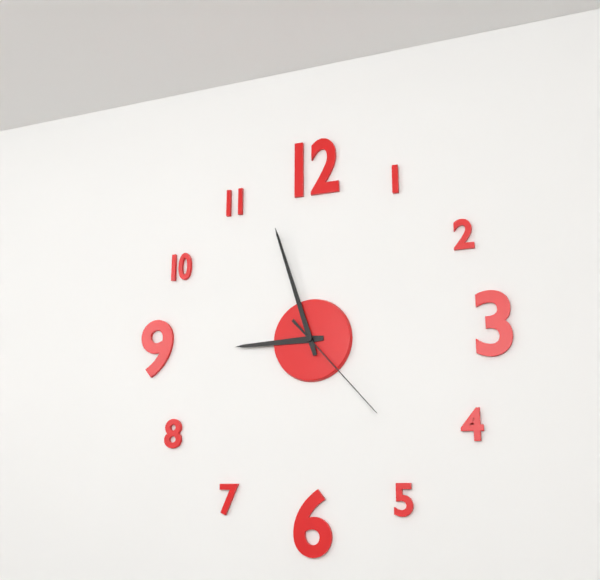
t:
8h57m23s
